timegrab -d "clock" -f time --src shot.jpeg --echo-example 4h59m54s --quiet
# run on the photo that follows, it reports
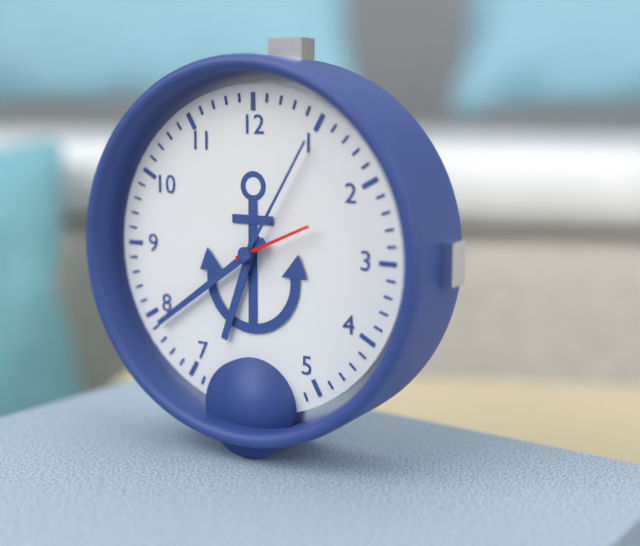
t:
6h39m11s
